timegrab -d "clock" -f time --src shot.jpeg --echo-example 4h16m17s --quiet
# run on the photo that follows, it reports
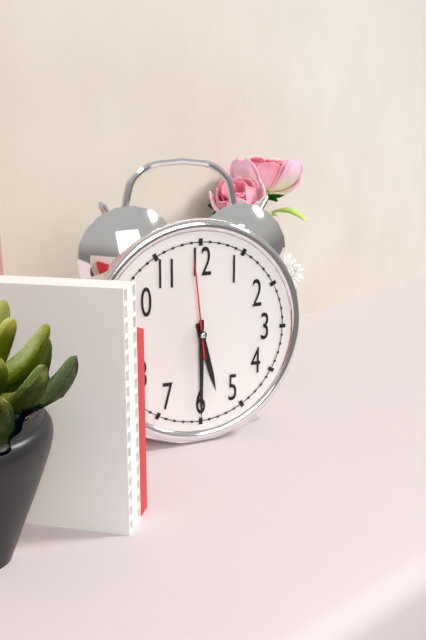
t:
5h30m59s
